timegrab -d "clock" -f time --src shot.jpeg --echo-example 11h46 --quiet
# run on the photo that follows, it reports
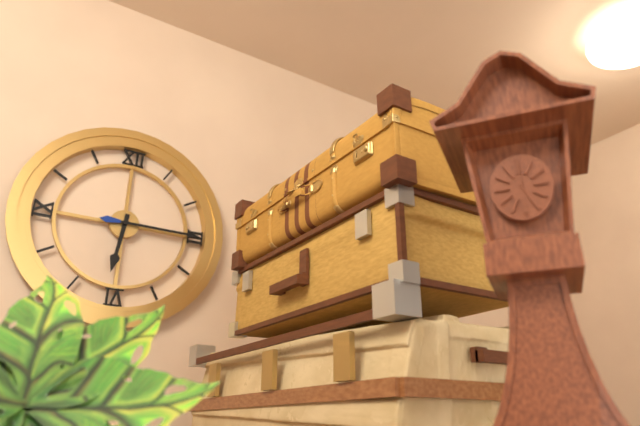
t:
6h15
